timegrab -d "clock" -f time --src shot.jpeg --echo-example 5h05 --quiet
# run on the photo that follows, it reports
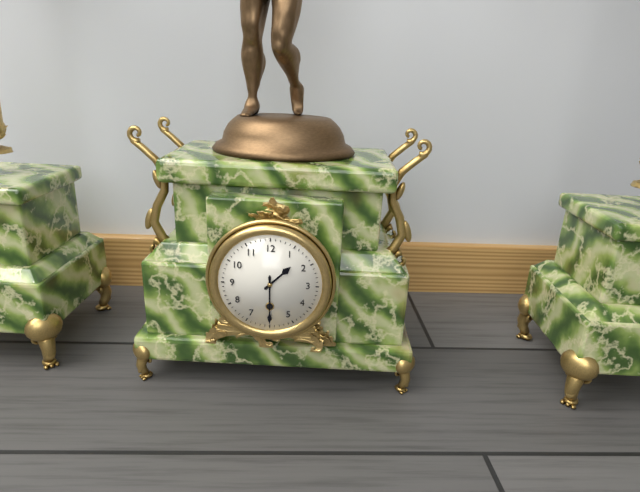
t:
1h30
